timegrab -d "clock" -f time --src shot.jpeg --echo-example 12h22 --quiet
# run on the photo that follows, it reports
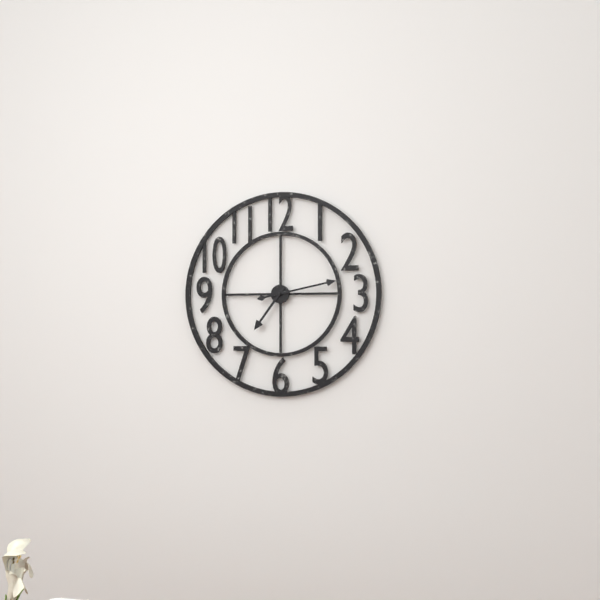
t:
7h13
